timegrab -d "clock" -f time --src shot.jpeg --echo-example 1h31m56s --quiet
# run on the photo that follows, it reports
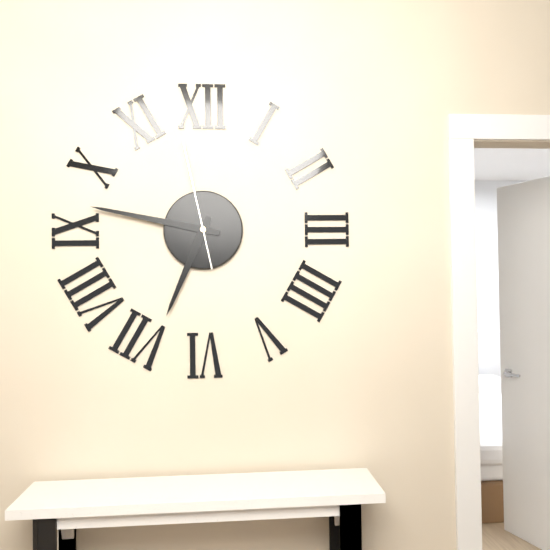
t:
6h47m58s
